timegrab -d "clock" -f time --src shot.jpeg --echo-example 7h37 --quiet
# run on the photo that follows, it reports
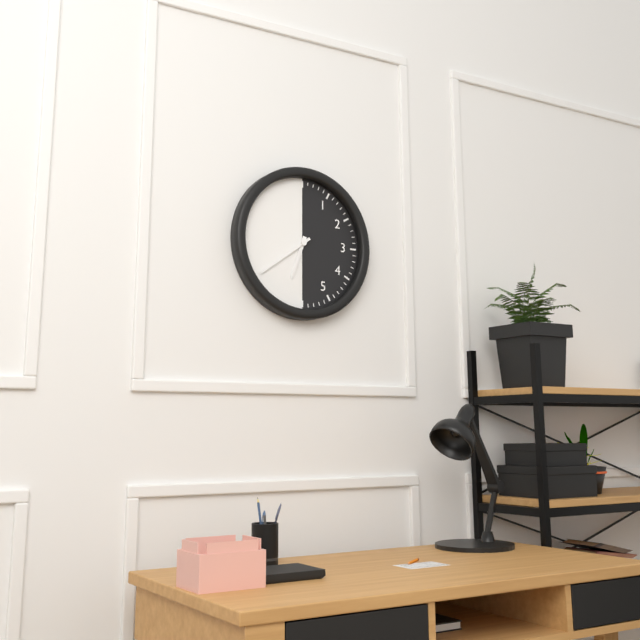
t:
6h39
